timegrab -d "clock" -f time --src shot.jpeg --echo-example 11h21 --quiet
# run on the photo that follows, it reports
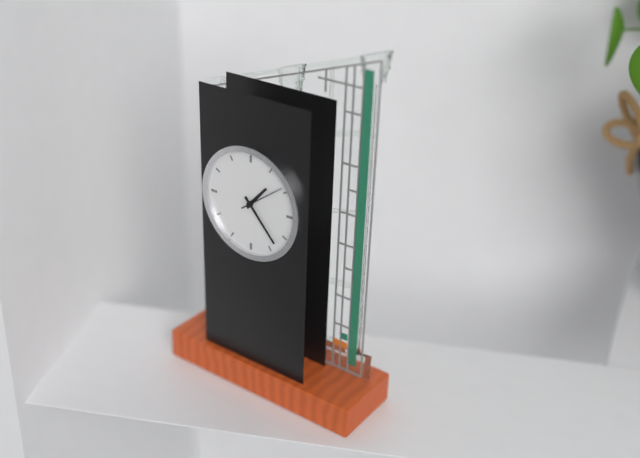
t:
1h23
